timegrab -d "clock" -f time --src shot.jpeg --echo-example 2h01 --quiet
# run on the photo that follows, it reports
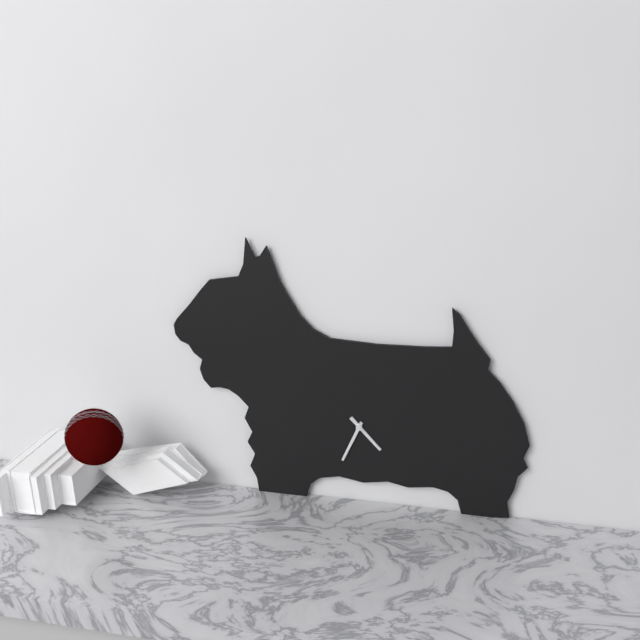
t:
4h34
